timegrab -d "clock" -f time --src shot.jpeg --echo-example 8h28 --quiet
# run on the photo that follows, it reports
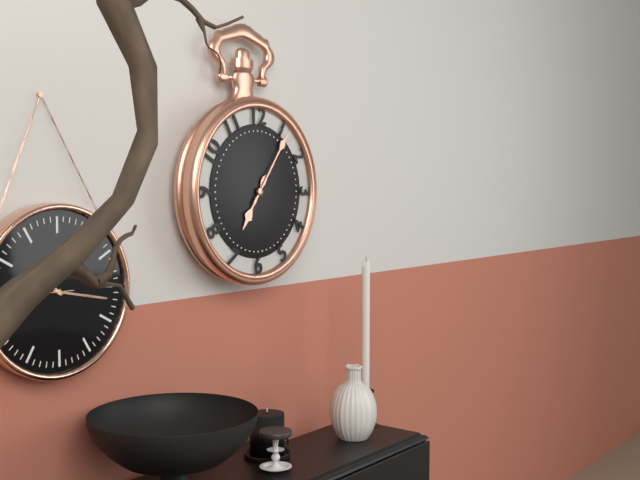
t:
7h06
